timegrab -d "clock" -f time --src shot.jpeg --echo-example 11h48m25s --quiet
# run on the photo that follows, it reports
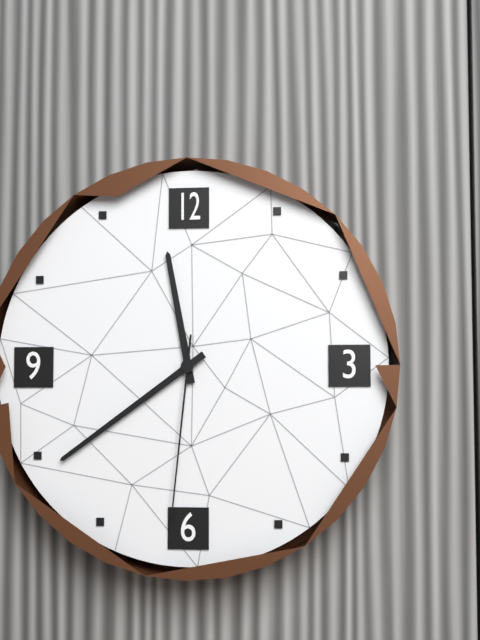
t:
11h39m31s
